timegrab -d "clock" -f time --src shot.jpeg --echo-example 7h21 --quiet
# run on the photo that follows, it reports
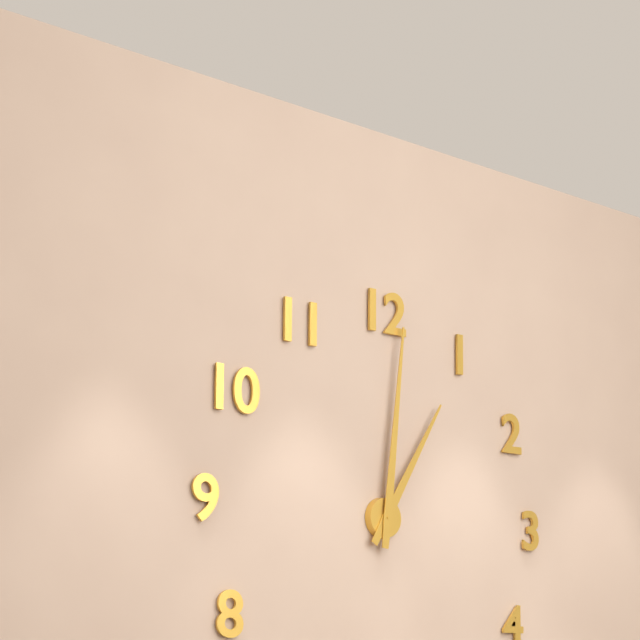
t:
1h01
